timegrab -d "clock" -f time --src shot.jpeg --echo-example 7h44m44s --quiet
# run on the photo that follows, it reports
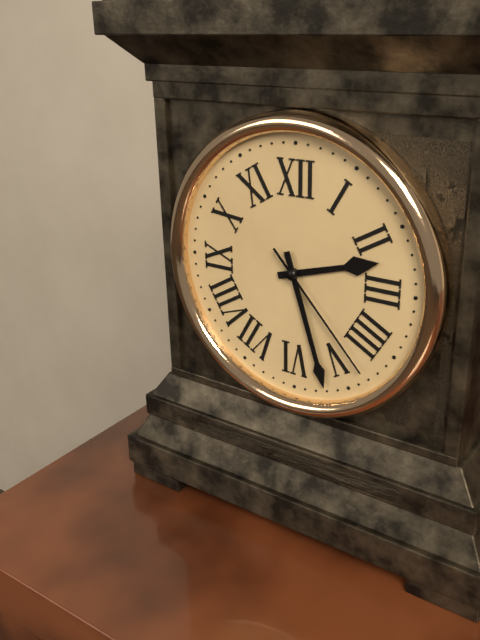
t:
2h27m23s
